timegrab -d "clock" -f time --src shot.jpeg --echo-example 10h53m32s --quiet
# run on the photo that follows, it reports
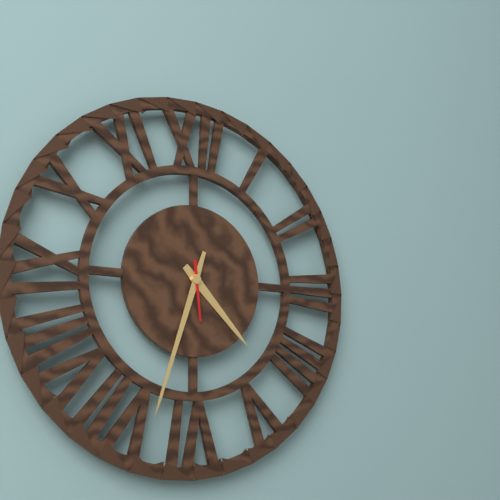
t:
4h33m29s
